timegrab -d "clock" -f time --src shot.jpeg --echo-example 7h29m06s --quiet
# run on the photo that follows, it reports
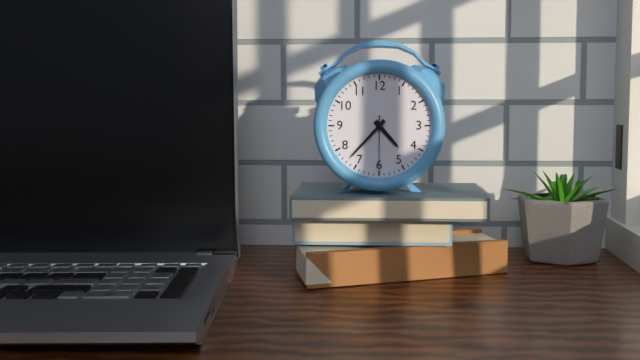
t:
4h37m30s
